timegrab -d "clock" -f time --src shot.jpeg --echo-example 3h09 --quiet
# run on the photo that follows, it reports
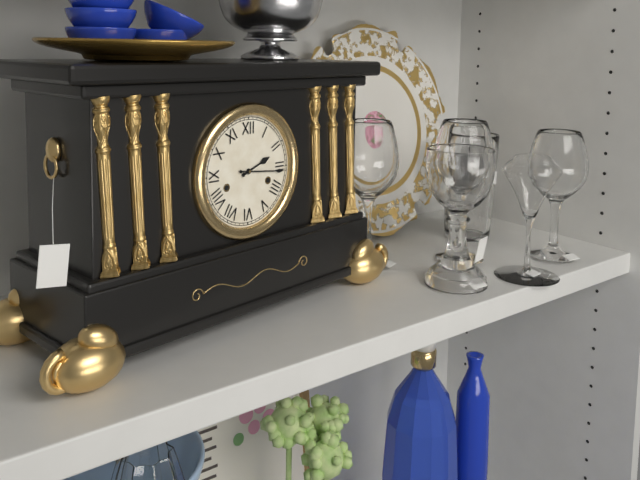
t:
2h16
